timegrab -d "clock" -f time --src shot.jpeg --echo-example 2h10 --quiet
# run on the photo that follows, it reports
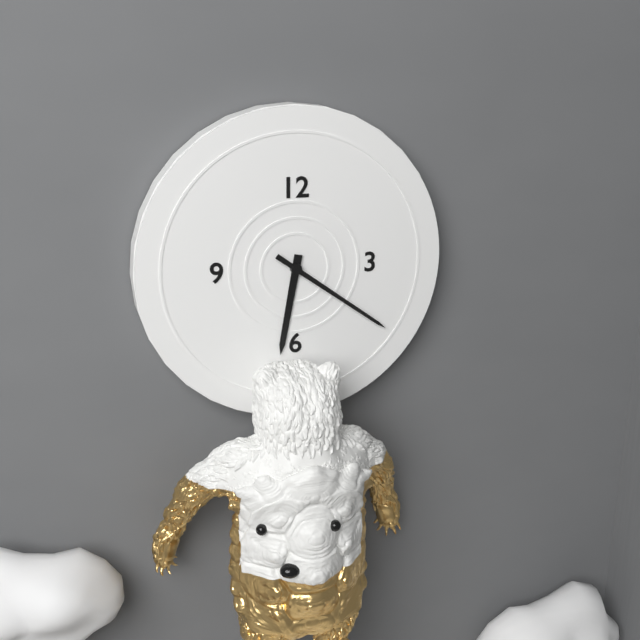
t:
6h21
